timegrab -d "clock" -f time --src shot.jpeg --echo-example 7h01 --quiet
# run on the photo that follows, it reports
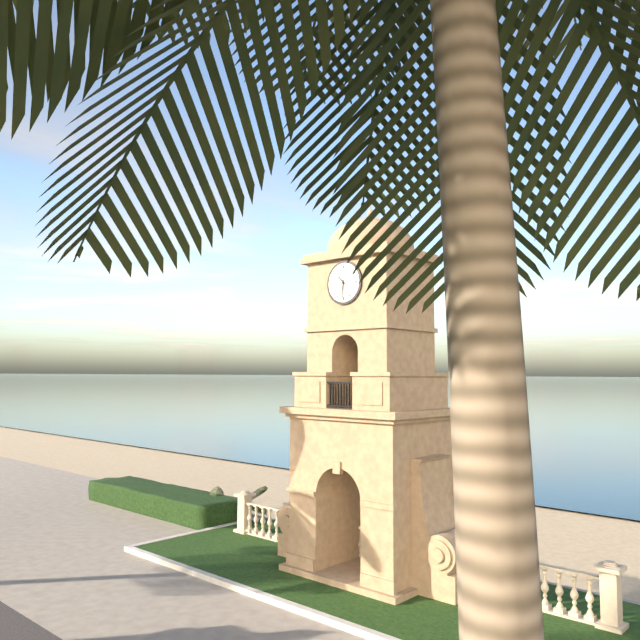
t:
10h31
